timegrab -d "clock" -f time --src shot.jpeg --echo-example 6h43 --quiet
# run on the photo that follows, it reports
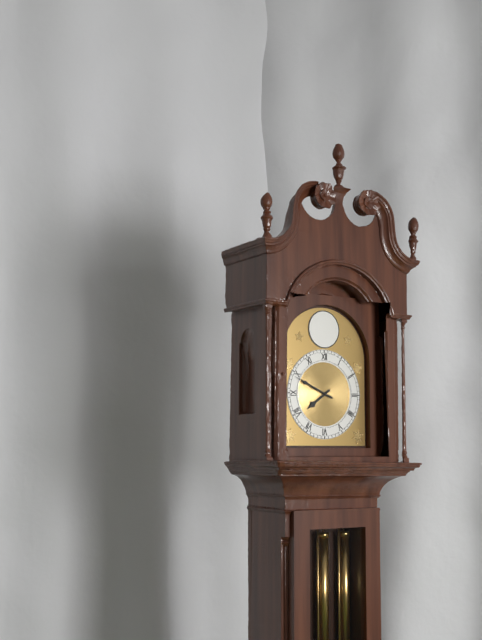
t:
7h49
